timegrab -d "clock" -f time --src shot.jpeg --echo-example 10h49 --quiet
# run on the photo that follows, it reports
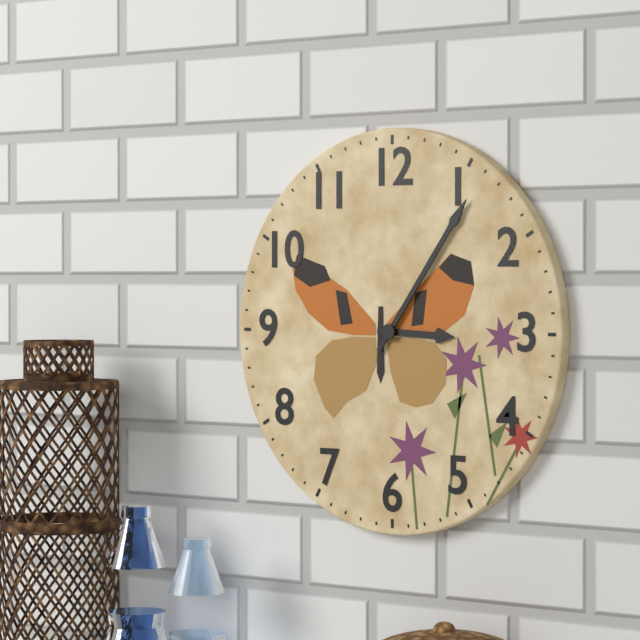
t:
3h06
